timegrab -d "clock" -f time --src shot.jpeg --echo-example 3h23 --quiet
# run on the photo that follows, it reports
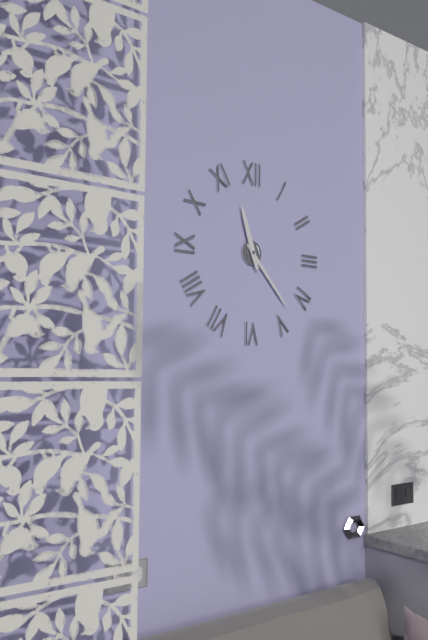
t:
11h23
